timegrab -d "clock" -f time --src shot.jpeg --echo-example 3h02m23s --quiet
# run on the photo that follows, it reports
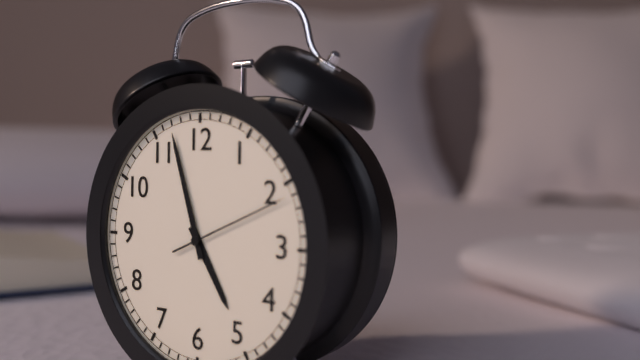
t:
4h57m11s
